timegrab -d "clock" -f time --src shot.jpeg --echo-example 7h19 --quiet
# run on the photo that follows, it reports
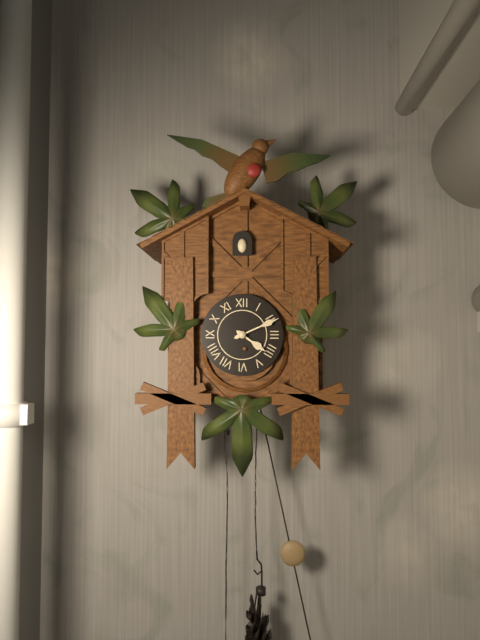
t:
4h11
